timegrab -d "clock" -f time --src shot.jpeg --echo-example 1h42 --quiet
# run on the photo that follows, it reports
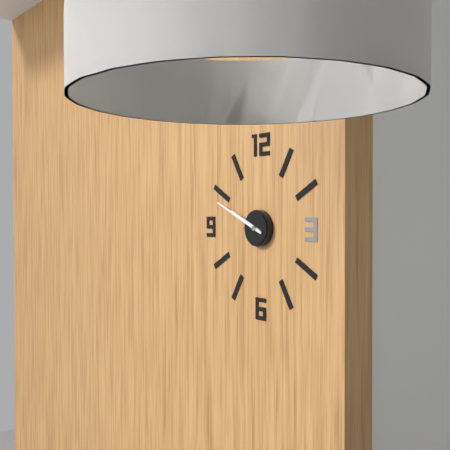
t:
9h49
